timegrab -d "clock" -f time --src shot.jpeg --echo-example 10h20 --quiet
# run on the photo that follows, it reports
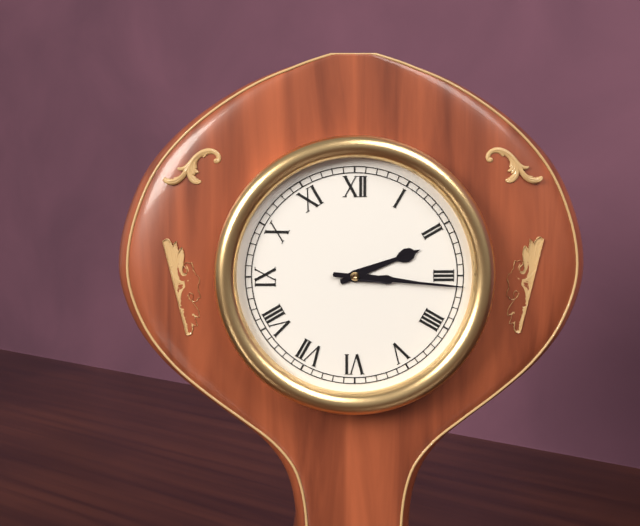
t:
2h16
